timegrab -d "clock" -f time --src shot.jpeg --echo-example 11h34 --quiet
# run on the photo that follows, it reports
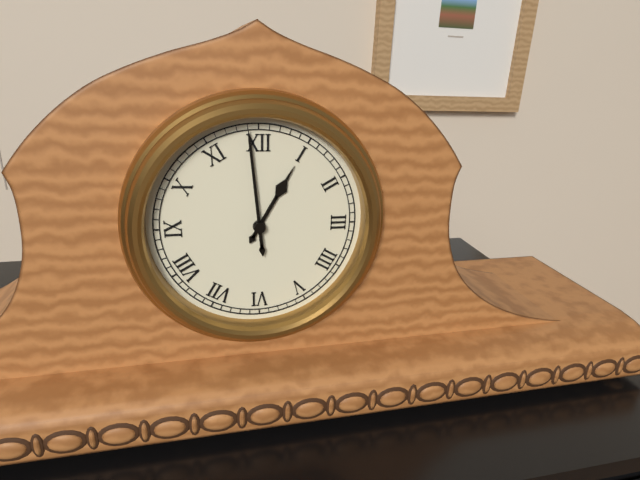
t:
12h59
